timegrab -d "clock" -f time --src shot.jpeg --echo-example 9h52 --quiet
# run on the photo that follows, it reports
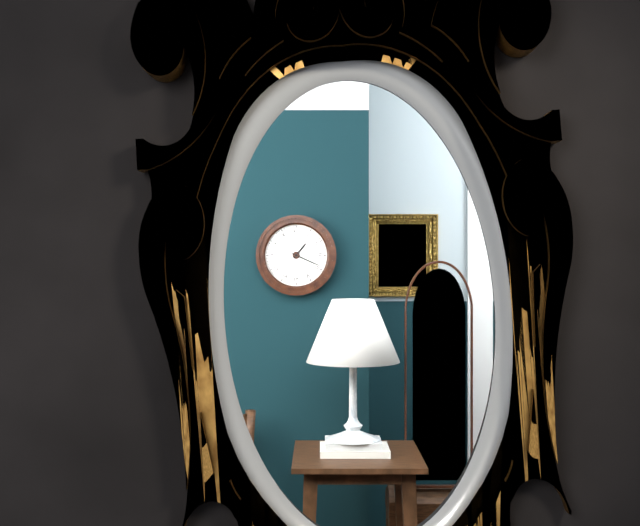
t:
1h19
